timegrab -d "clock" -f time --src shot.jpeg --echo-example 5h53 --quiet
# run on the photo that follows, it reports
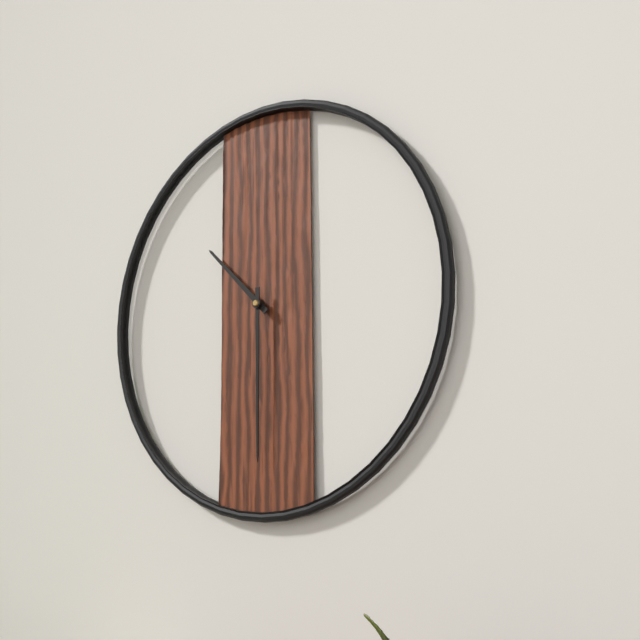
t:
10h30
